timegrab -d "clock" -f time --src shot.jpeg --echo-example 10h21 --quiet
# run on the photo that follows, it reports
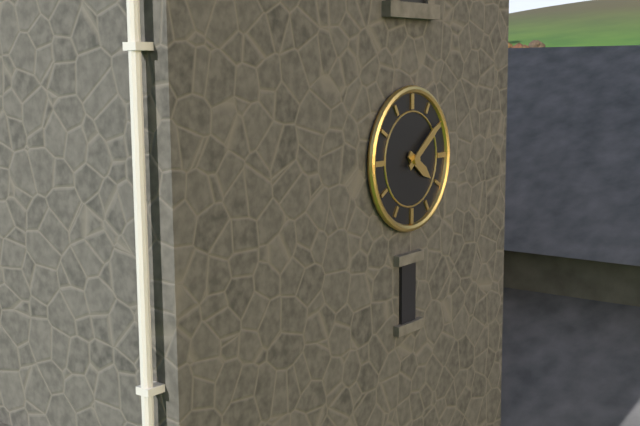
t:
4h09
